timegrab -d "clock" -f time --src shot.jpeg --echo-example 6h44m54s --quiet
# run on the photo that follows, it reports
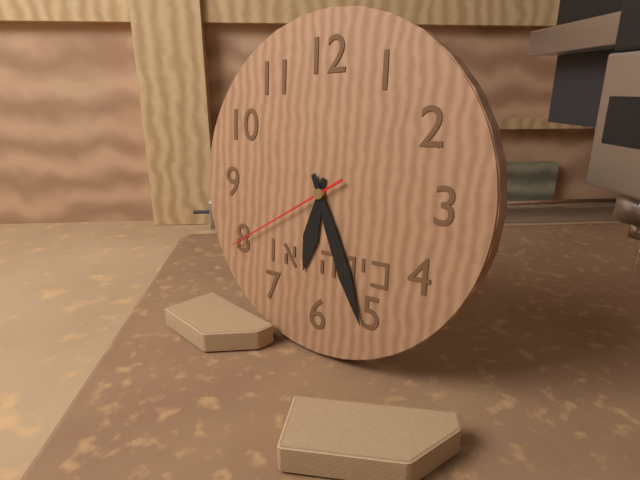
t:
6h26m40s
